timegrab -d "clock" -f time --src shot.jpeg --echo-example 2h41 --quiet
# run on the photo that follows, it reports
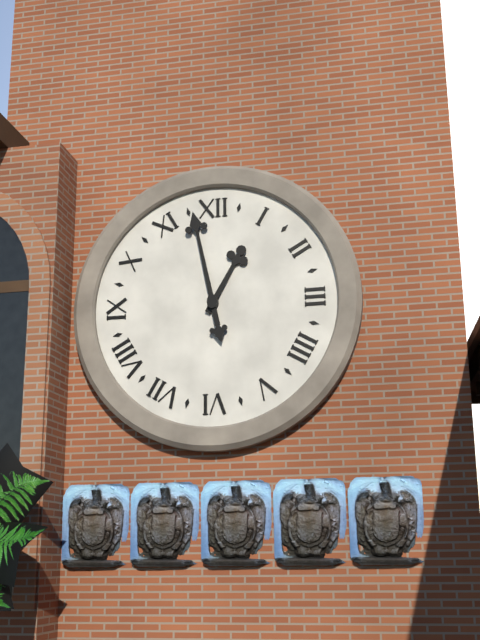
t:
12h58
